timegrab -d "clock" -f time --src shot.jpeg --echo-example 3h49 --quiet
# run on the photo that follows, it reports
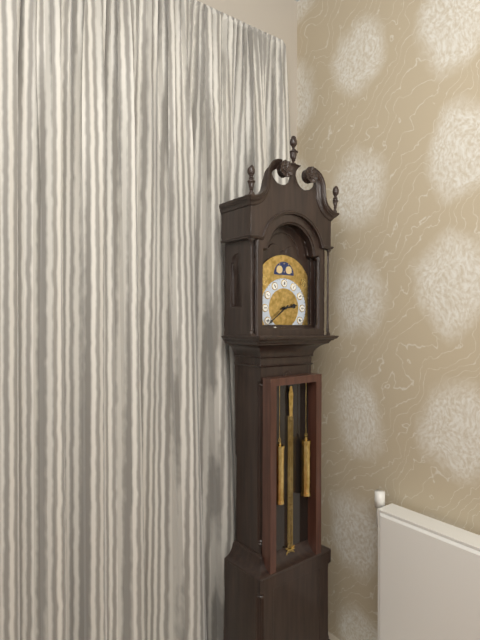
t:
2h39
